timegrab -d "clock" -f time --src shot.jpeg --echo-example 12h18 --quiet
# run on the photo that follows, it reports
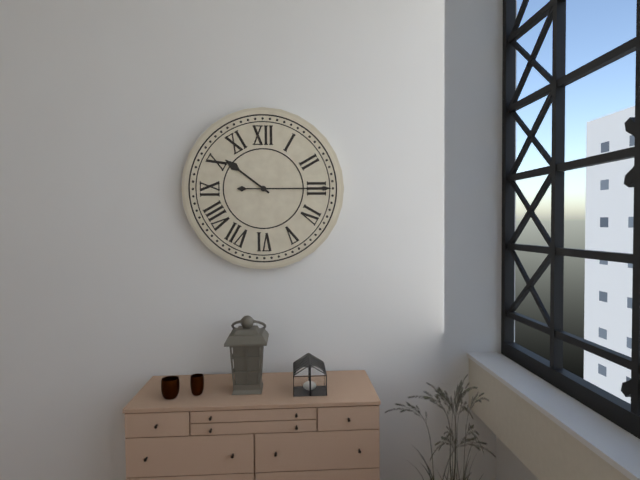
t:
10h15
